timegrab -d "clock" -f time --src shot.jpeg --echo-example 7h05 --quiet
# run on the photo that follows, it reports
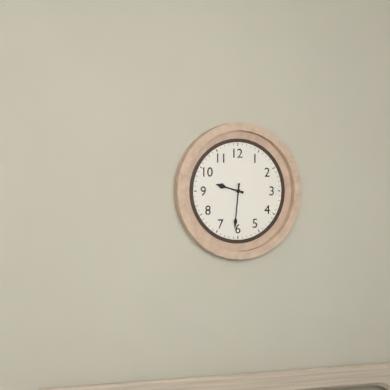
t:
9h31
